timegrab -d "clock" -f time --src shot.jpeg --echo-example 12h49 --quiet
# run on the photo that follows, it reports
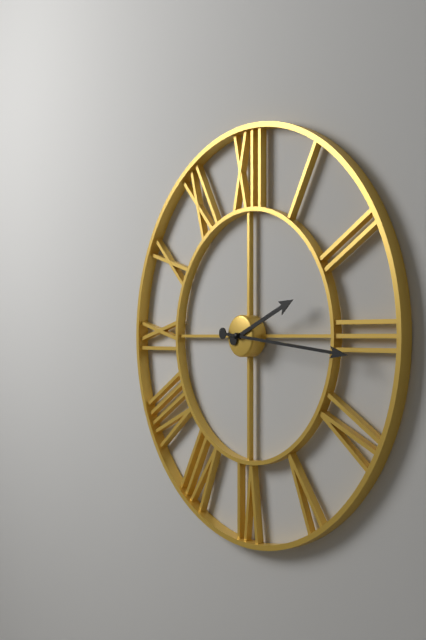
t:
2h16
